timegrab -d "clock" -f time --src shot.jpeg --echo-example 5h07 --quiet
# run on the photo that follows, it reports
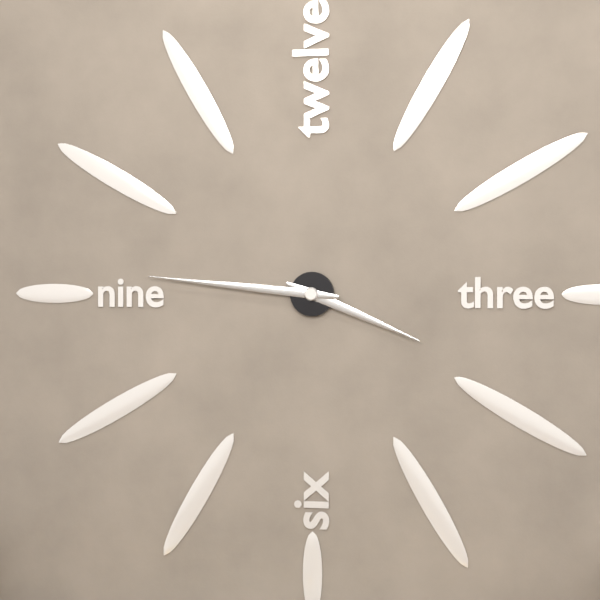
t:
3h46
